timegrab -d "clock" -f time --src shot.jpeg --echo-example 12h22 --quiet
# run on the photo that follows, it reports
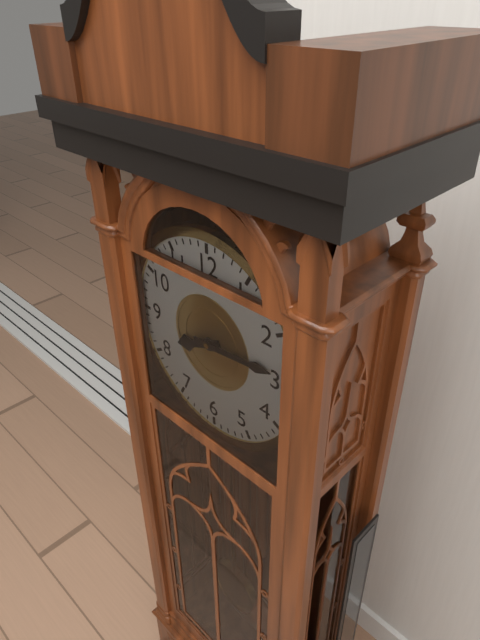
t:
8h14
